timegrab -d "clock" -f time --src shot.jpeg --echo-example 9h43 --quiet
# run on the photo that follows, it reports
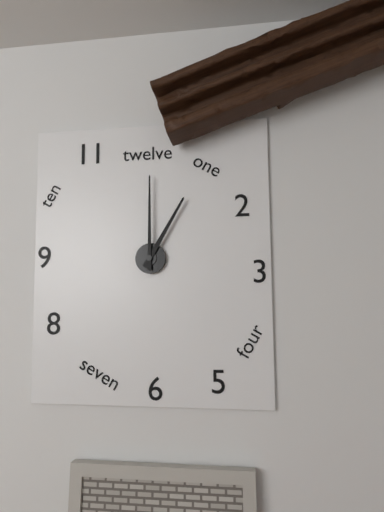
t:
1h00
